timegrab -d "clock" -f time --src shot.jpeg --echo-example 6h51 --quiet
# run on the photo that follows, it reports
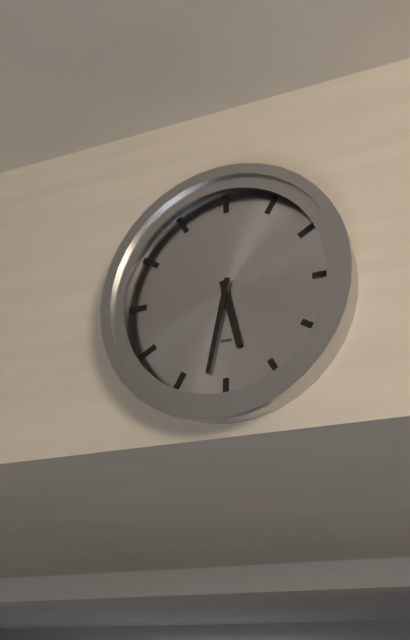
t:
5h32
